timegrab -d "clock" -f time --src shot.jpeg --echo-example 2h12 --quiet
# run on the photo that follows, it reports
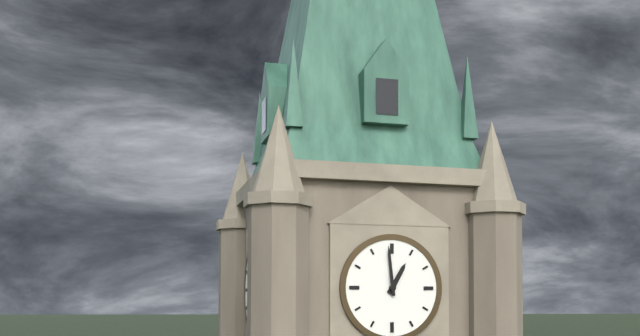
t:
12h59
